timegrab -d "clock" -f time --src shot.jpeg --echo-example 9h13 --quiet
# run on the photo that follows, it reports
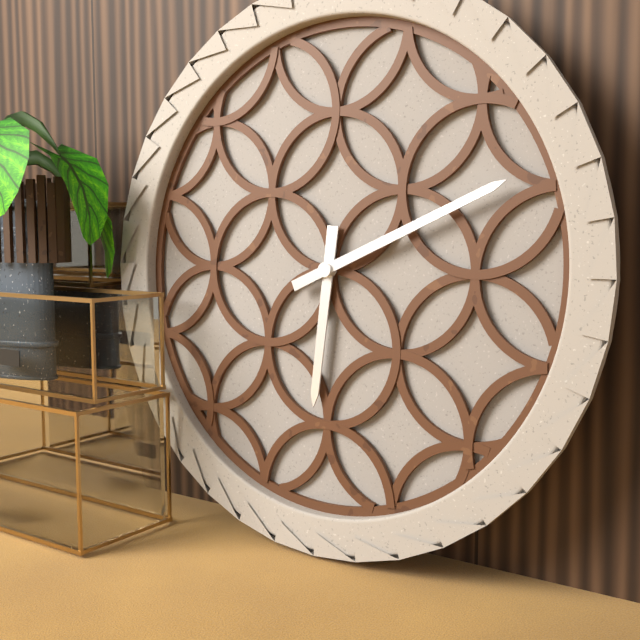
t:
6h11
